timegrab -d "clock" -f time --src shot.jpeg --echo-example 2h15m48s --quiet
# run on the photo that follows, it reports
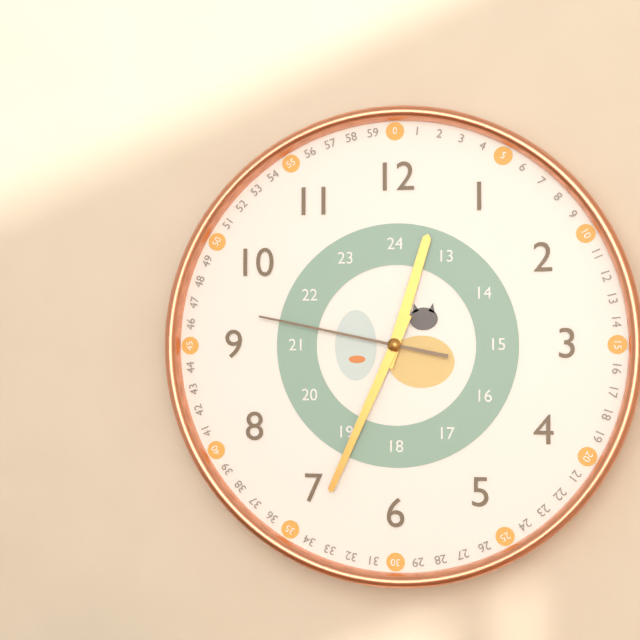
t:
12h34m47s
